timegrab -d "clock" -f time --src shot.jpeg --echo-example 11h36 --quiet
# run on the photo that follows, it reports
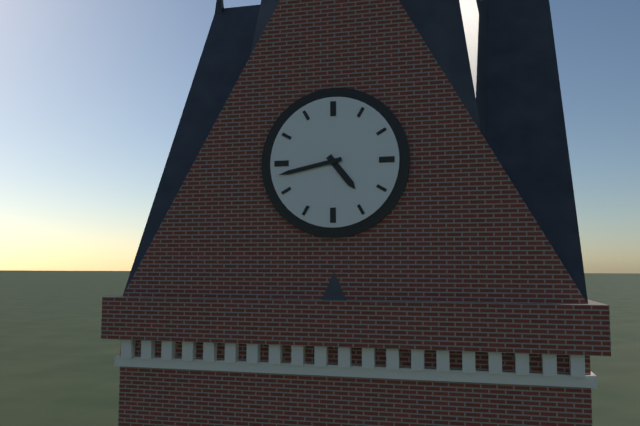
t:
4h43
